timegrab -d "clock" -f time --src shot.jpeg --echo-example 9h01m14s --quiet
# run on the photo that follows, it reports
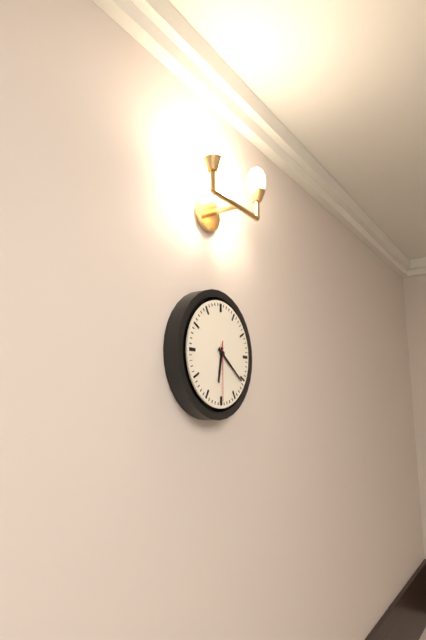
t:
6h21m30s
